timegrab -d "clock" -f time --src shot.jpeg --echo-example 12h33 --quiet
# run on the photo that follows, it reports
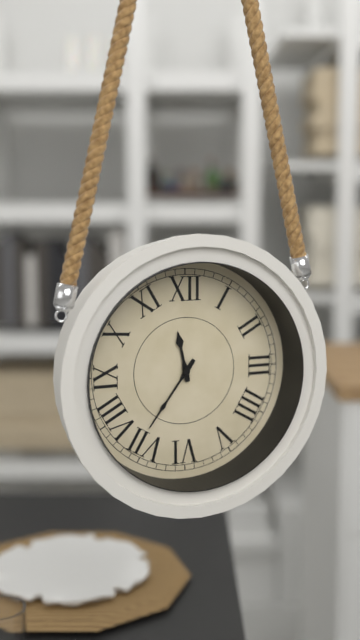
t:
11h36
